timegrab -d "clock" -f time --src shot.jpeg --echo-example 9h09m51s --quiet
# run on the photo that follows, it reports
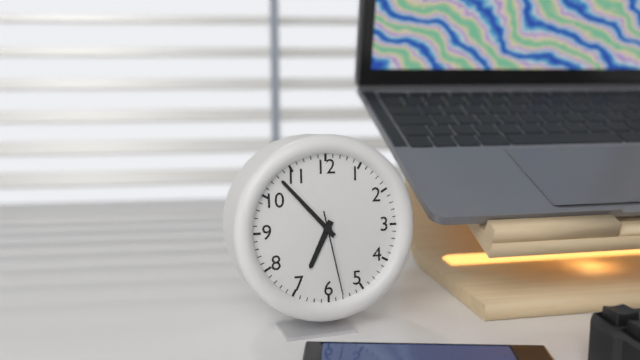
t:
6h53m28s
